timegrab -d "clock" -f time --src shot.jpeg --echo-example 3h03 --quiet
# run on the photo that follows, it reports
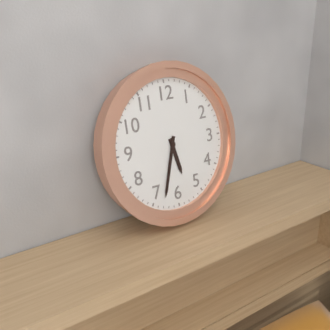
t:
5h33
